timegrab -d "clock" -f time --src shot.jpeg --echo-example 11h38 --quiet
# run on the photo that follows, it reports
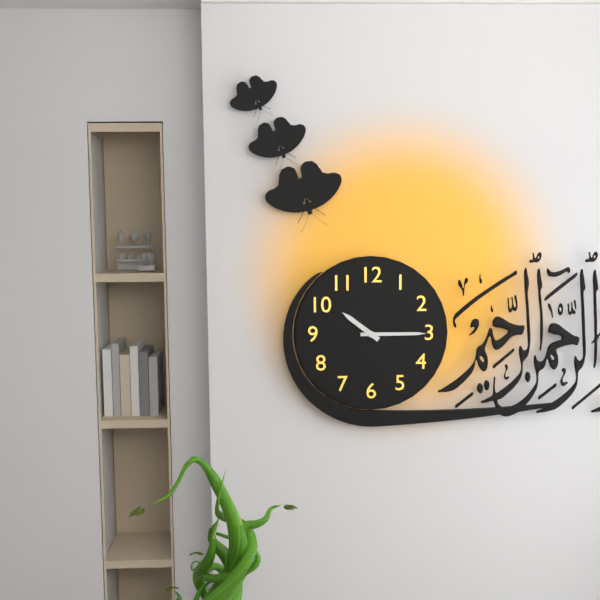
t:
10h15
